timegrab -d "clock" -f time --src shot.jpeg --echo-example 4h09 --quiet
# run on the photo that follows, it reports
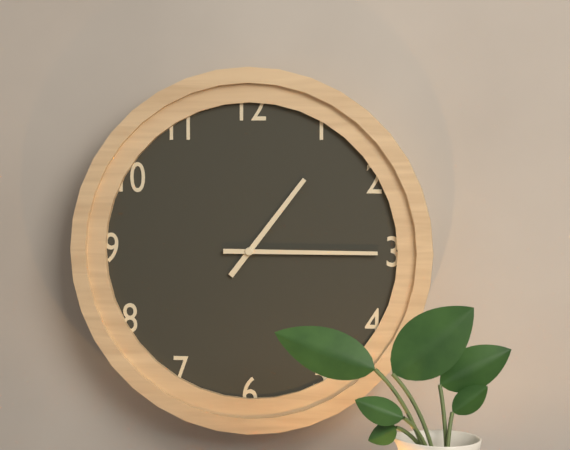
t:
1h15
